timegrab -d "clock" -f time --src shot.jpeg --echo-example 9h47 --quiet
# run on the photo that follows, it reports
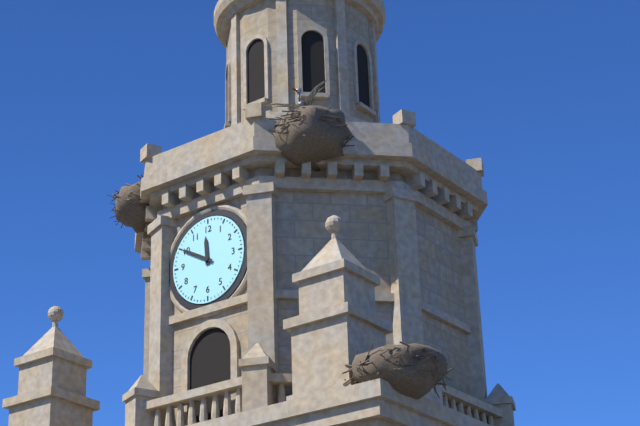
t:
11h50
